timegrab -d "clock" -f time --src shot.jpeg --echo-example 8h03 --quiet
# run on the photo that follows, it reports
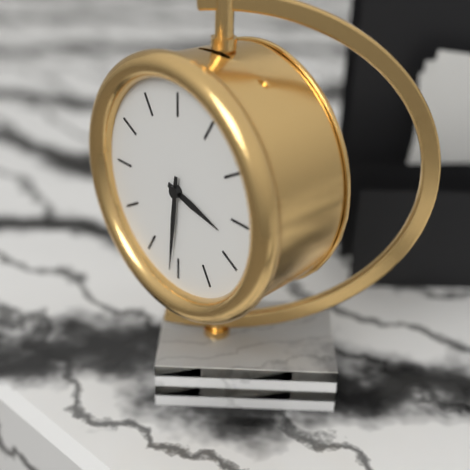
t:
3h31
